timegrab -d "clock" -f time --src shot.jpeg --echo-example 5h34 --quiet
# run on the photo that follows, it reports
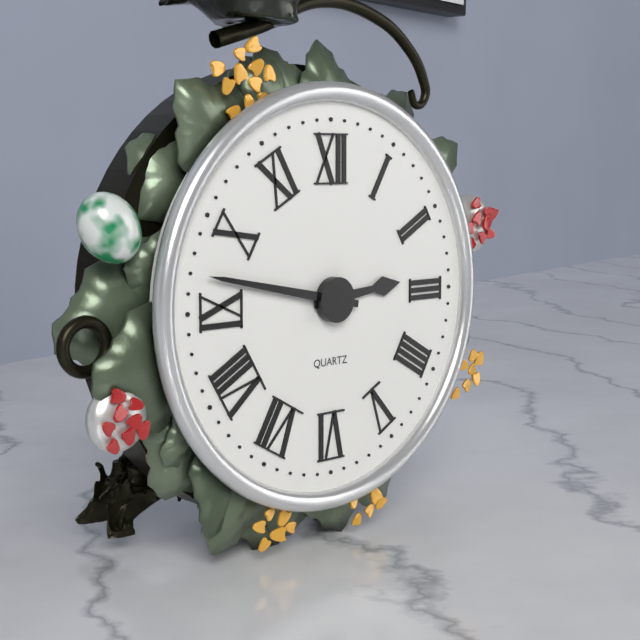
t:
2h47
